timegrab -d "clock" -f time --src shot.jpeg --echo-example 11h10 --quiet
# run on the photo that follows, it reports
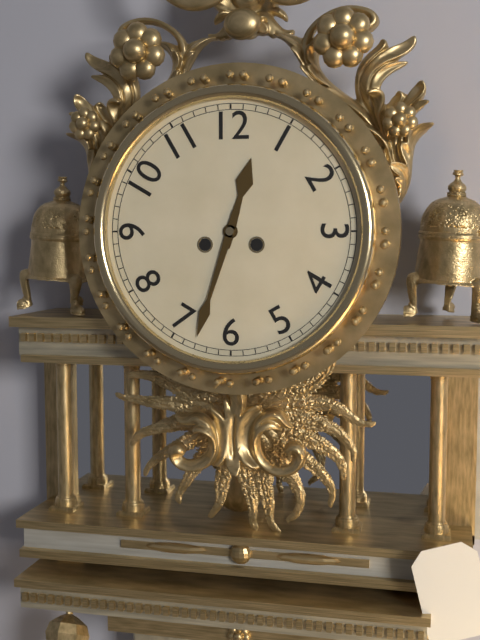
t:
12h33
